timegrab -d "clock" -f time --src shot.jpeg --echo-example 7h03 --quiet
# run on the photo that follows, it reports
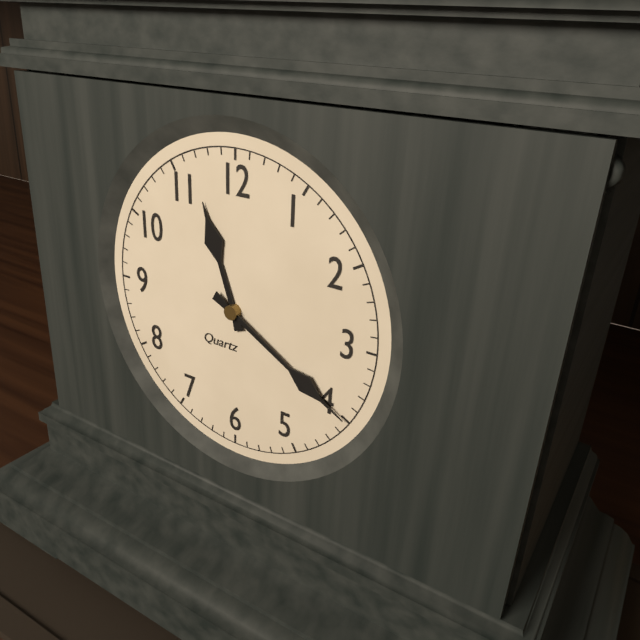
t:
11h20
